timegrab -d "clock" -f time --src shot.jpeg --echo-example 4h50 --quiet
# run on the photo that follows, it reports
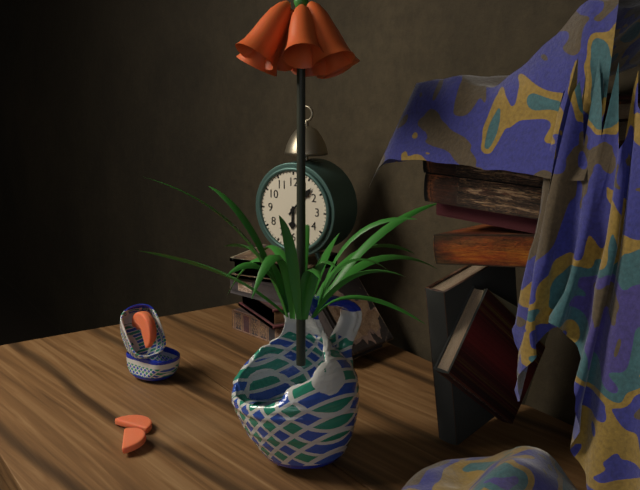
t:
6h07
